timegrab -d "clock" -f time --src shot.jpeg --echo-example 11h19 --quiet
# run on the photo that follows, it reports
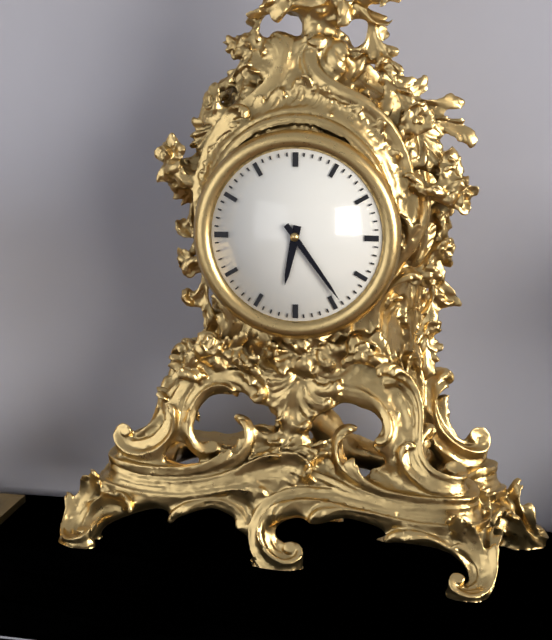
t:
6h24
